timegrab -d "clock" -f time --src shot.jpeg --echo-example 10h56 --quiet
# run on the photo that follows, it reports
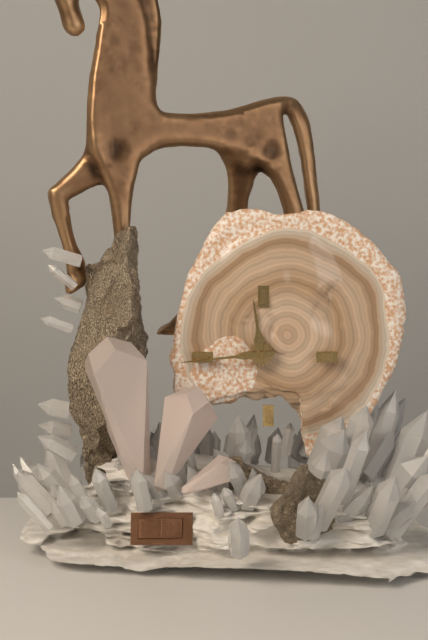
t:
11h44
